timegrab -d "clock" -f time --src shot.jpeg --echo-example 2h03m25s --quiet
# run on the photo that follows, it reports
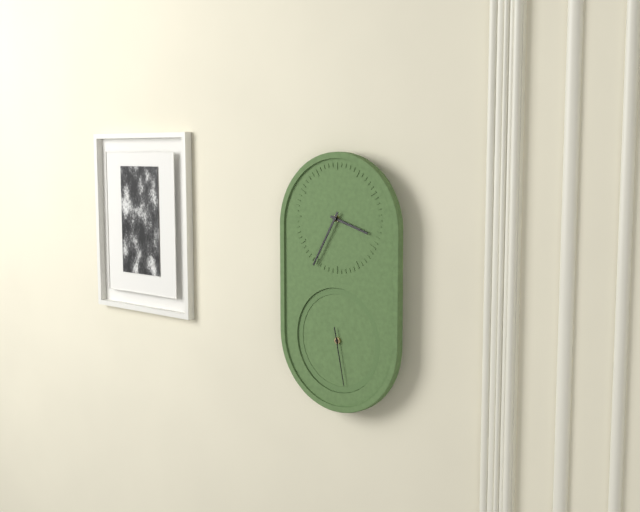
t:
3h35m28s
